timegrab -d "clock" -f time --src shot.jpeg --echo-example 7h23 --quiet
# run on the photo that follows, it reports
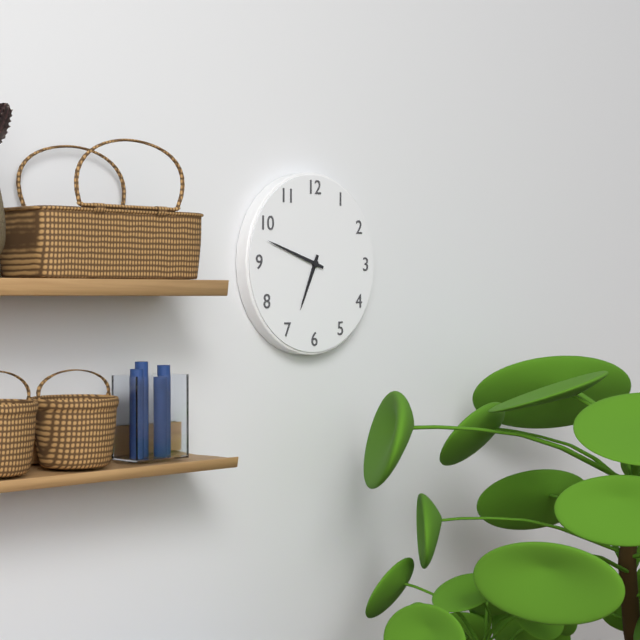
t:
6h48
